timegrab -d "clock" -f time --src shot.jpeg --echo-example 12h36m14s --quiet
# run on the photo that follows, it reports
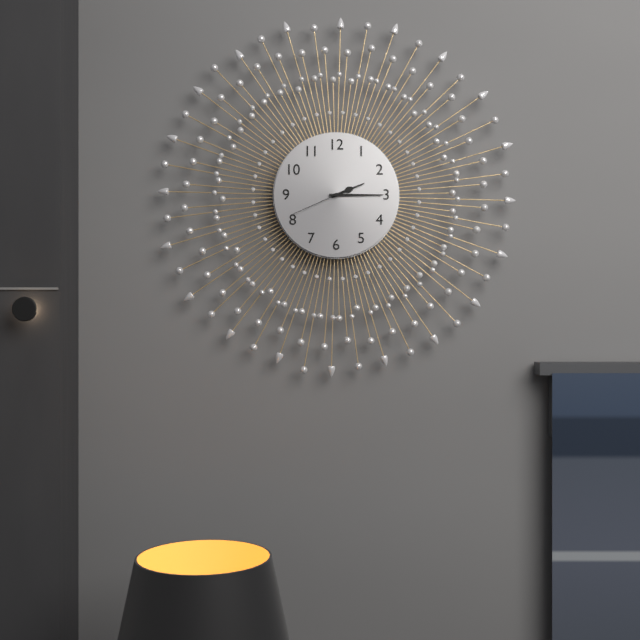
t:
2h15m41s
